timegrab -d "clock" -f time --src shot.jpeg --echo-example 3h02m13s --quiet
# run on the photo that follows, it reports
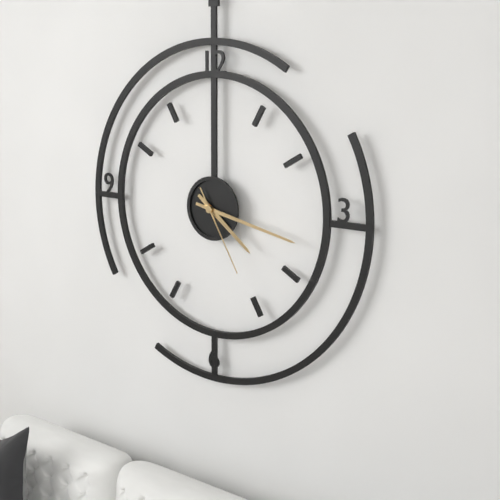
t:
4h17m25s
